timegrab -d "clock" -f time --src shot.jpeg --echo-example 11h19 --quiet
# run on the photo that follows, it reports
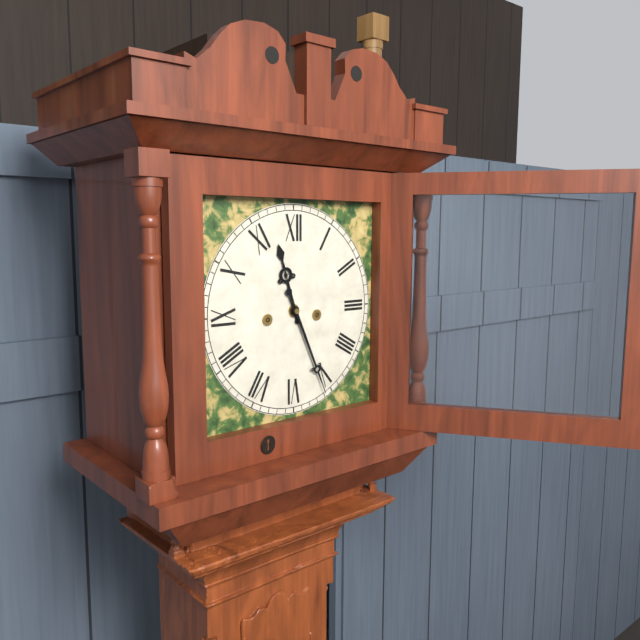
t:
11h26
